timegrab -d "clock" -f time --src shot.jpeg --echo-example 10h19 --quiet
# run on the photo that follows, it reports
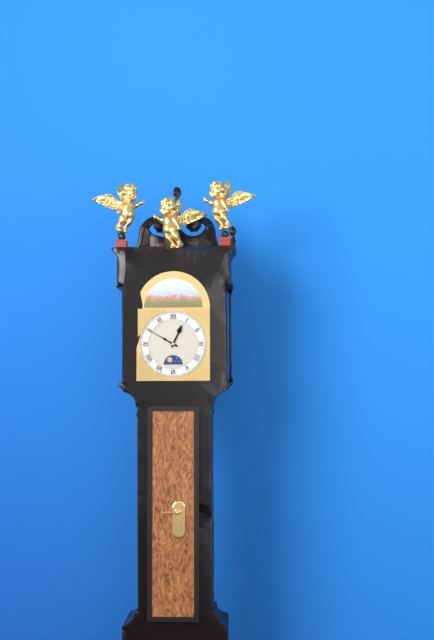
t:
12h50
